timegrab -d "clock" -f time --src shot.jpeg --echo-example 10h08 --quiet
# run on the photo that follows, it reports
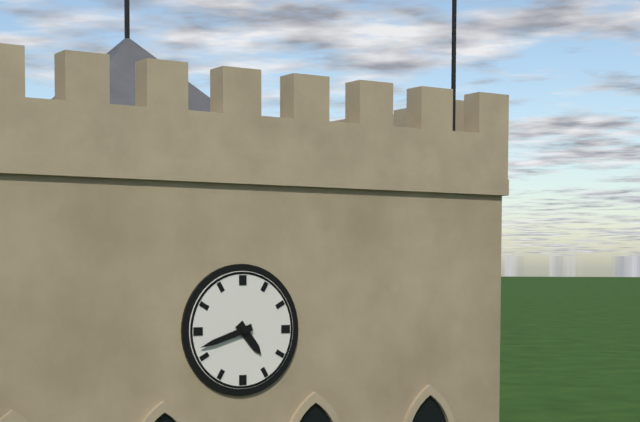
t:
4h42
